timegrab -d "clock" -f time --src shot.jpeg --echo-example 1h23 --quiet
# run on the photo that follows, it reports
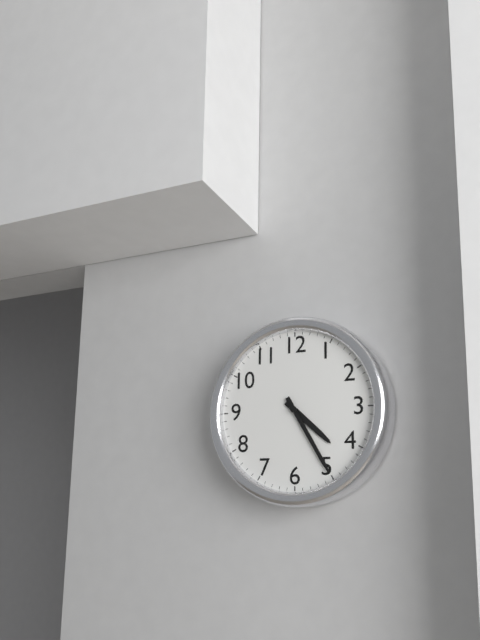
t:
4h25
